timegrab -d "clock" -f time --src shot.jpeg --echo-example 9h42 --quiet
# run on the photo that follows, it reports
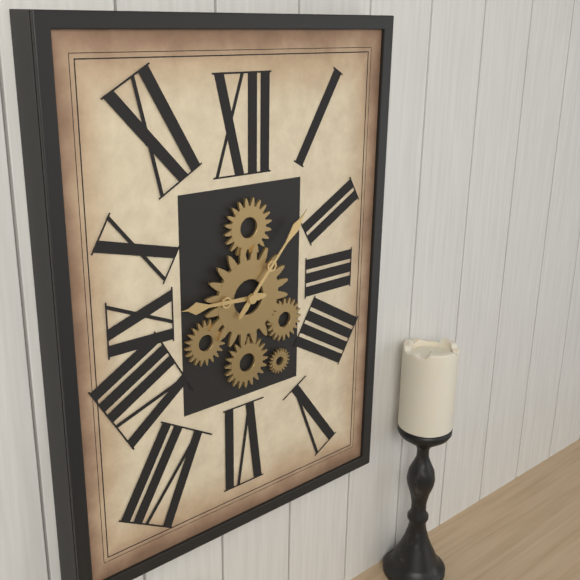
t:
9h07
